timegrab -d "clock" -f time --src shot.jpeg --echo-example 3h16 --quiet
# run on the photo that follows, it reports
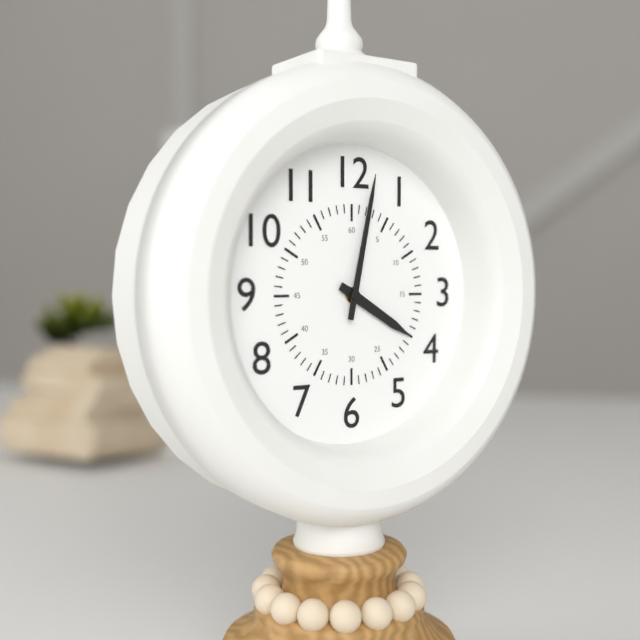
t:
4h02
